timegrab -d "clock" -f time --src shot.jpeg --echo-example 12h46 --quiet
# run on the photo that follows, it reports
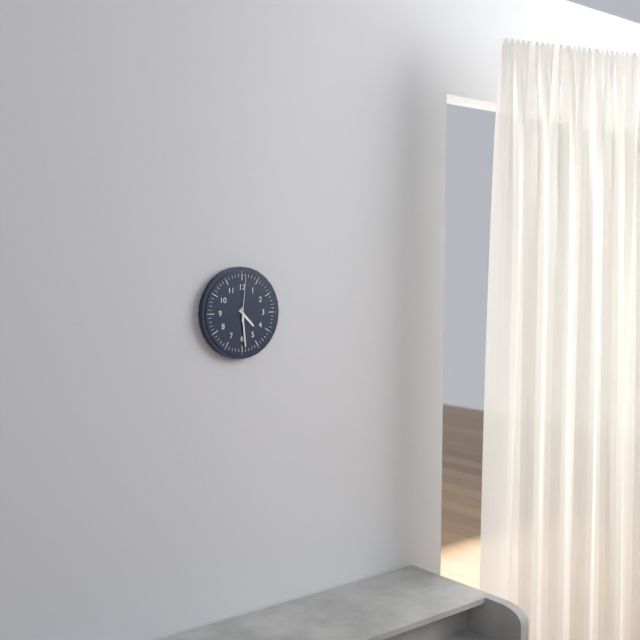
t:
4h29
